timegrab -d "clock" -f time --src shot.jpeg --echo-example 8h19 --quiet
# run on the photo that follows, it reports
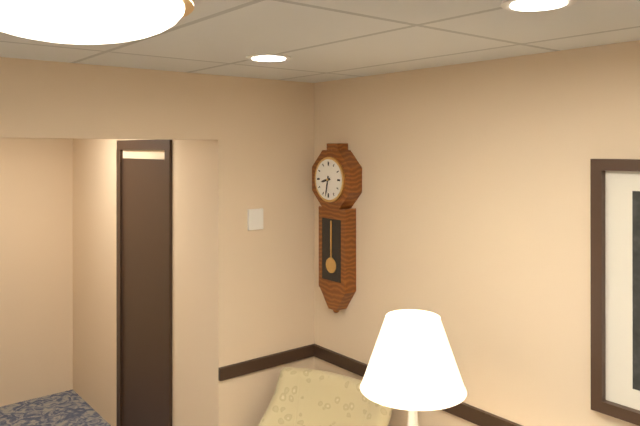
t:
8h32
